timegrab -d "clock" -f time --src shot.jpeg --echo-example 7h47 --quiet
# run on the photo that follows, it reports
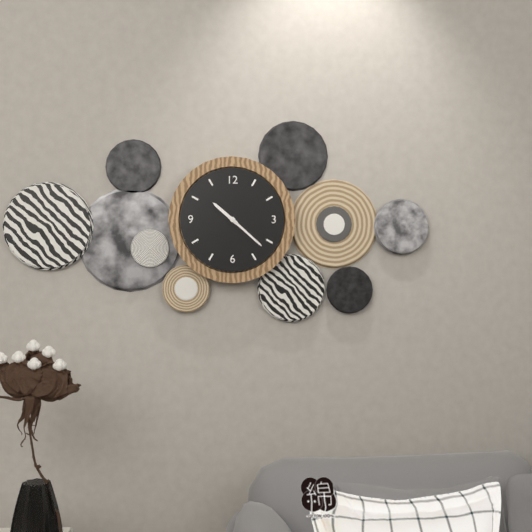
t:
10h22
